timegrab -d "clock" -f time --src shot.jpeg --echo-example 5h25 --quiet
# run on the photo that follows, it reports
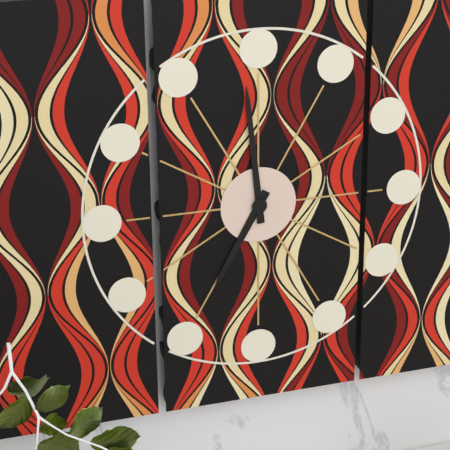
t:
6h59
